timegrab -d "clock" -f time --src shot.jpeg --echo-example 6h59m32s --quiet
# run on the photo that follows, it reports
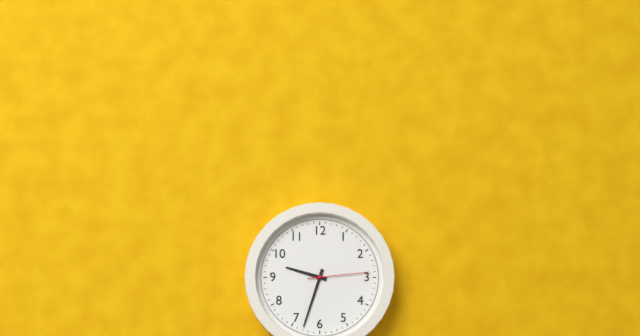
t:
9h33m14s
